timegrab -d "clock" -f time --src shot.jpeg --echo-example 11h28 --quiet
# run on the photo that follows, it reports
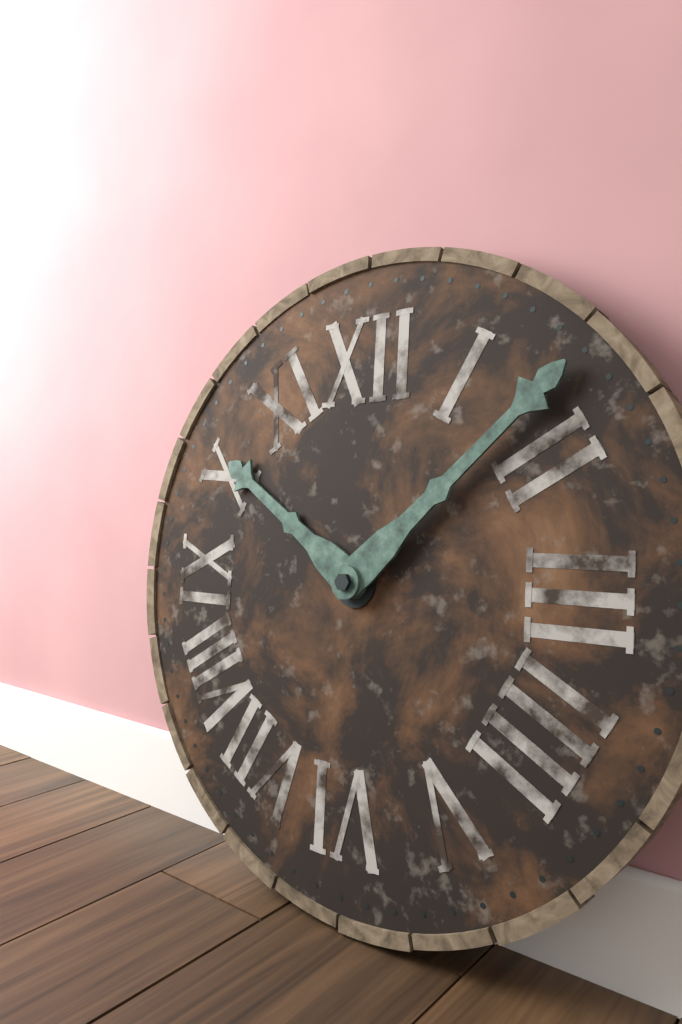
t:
10h08
